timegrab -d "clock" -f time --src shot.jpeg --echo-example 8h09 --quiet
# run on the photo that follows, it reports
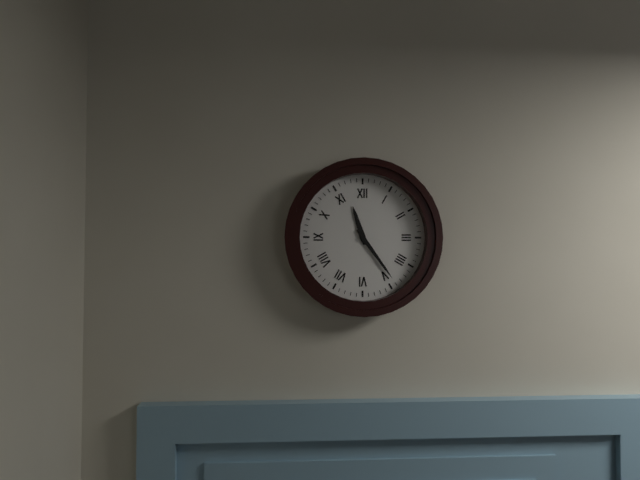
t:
11h24
